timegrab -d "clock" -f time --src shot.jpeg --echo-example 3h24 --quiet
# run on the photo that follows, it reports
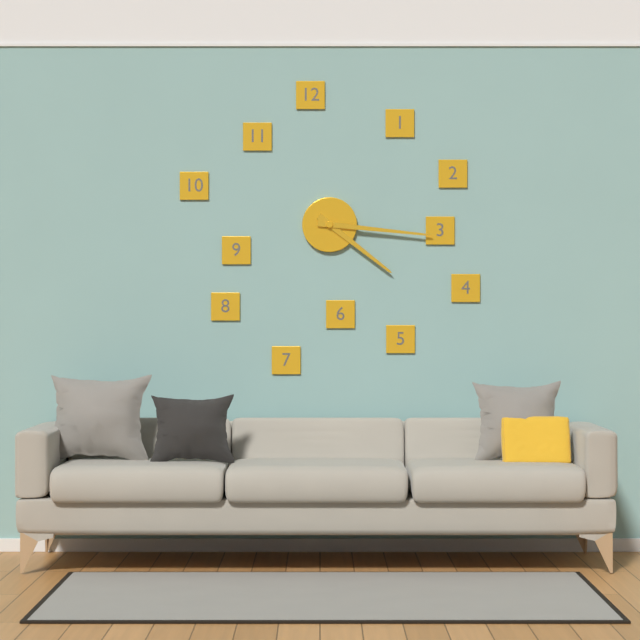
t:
4h16
